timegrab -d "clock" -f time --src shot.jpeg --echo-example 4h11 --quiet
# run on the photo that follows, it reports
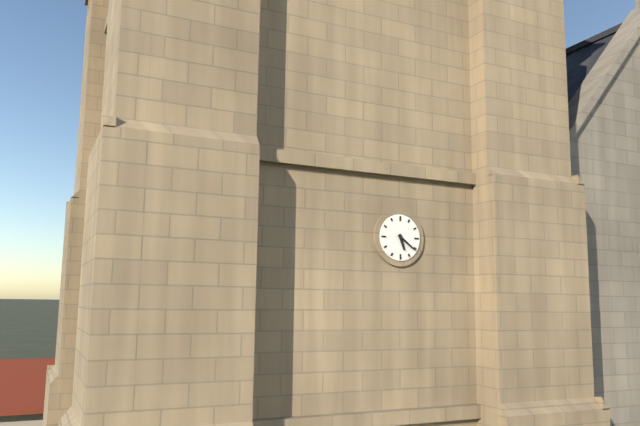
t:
5h21
